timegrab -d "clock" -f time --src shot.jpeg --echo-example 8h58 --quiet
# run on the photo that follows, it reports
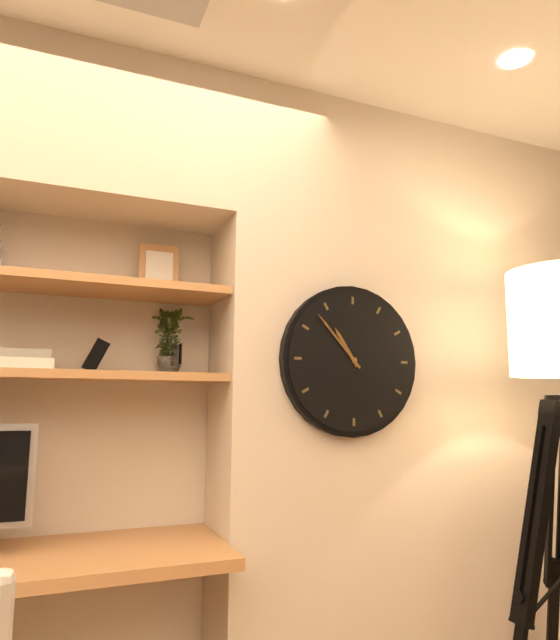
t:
10h53
